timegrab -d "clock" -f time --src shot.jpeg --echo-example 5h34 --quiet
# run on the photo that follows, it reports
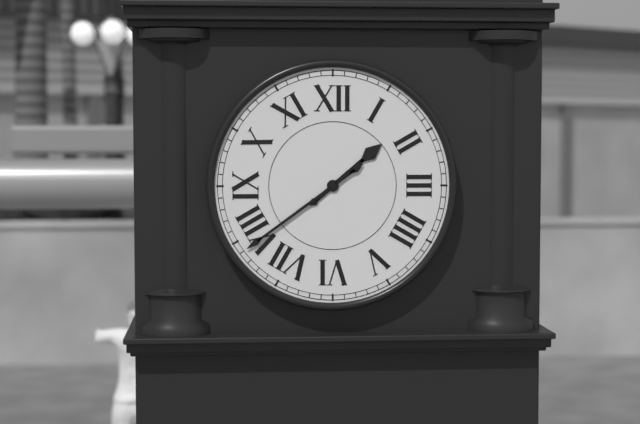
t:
1h39
